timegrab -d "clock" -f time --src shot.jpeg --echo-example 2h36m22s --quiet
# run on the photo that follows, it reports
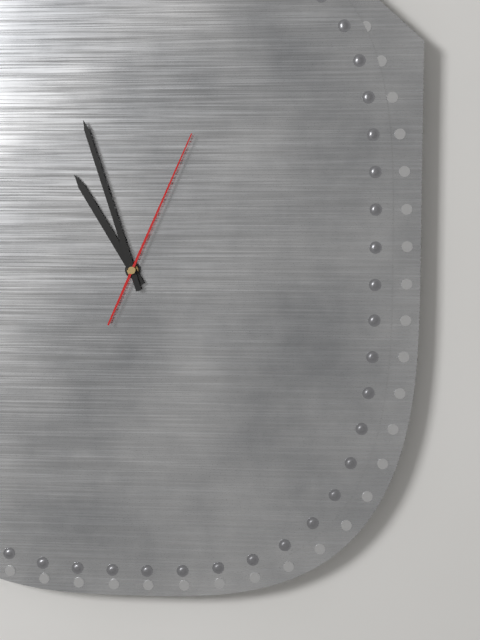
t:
10h57m04s
